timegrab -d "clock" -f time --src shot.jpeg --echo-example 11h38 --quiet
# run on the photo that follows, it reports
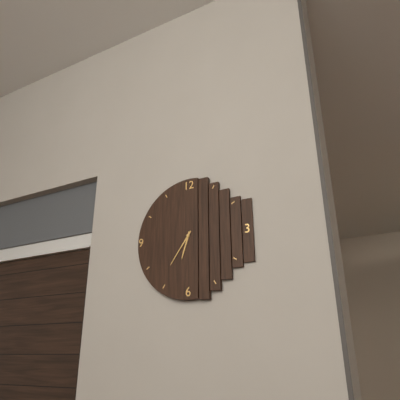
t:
6h36
